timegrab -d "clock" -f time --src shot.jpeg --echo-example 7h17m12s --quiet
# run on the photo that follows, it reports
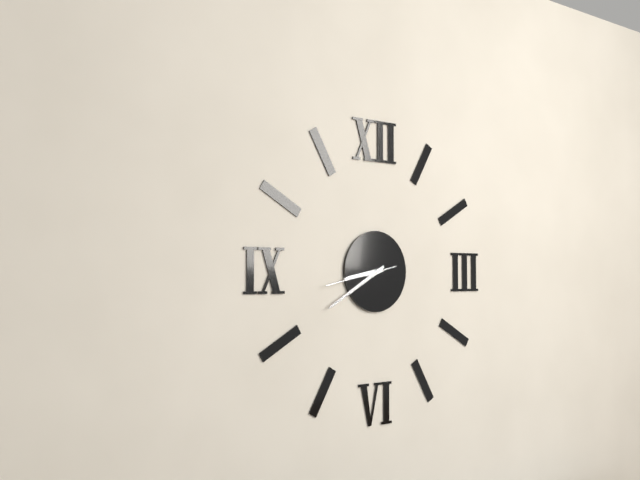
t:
8h40m43s
